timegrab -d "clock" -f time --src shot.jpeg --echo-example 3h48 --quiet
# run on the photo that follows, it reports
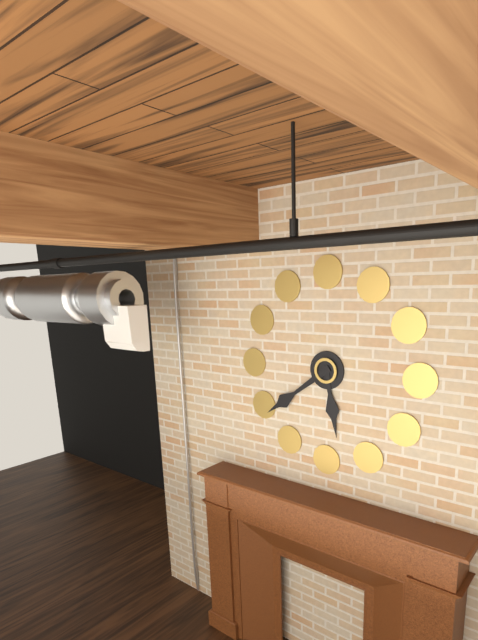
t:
5h39
